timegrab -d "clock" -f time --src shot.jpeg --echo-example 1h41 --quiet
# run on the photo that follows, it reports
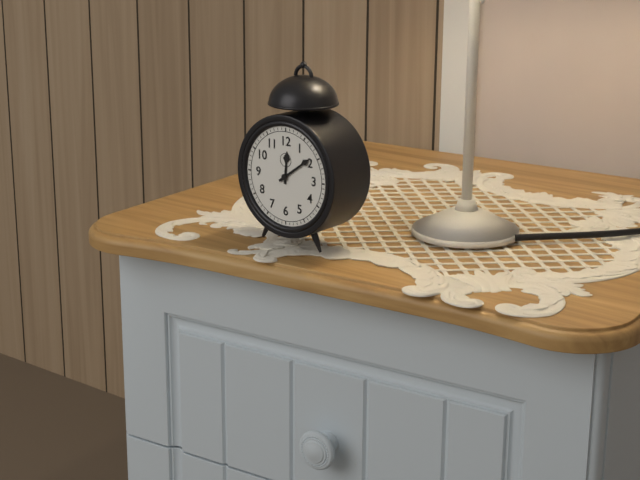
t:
12h09
